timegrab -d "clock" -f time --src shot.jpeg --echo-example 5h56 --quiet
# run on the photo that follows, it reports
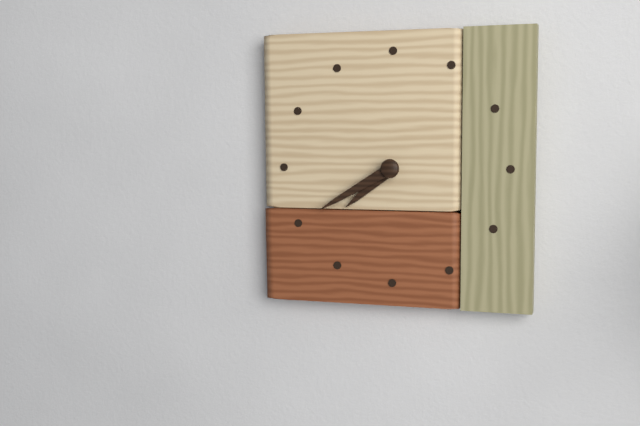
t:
7h40
